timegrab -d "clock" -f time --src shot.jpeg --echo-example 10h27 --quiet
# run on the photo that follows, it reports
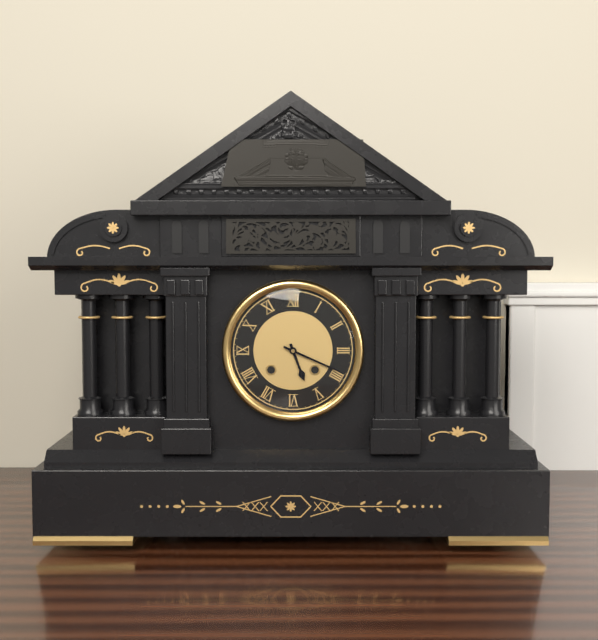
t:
5h19
